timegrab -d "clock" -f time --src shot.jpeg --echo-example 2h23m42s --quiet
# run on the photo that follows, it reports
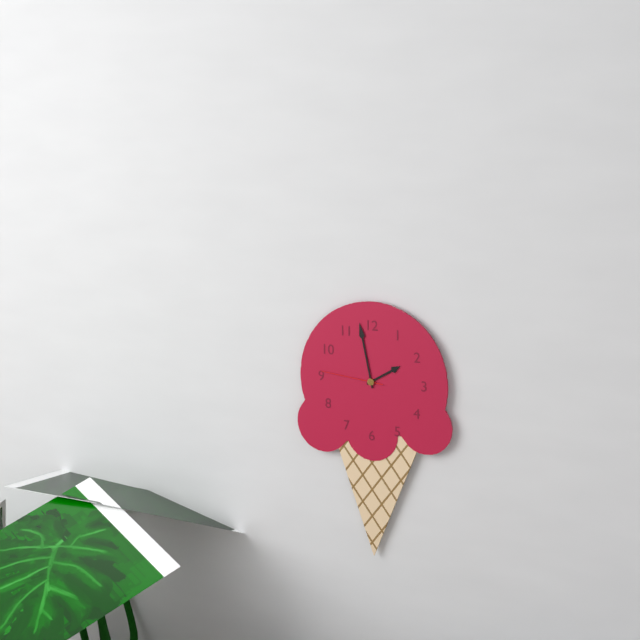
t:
1h58m46s
